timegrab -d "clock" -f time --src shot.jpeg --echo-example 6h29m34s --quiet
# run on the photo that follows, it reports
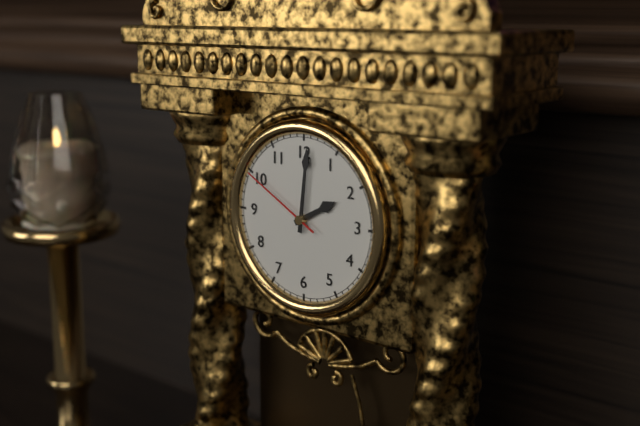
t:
2h01m50s
